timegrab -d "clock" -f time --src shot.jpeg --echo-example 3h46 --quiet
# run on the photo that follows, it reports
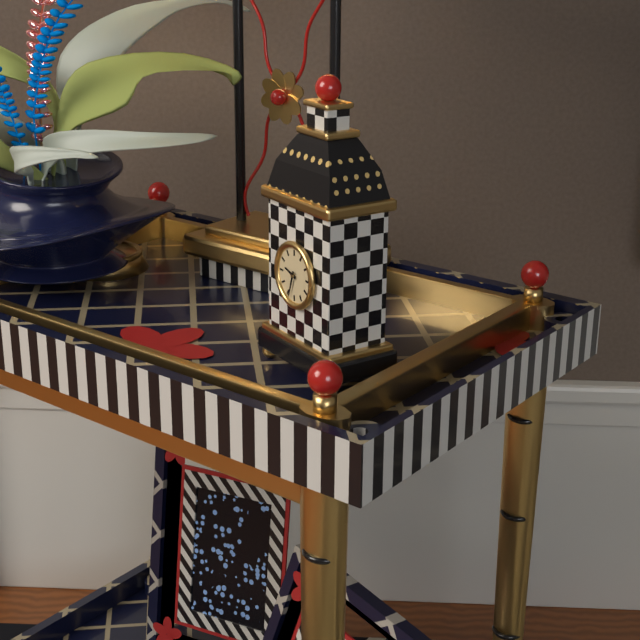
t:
9h33
